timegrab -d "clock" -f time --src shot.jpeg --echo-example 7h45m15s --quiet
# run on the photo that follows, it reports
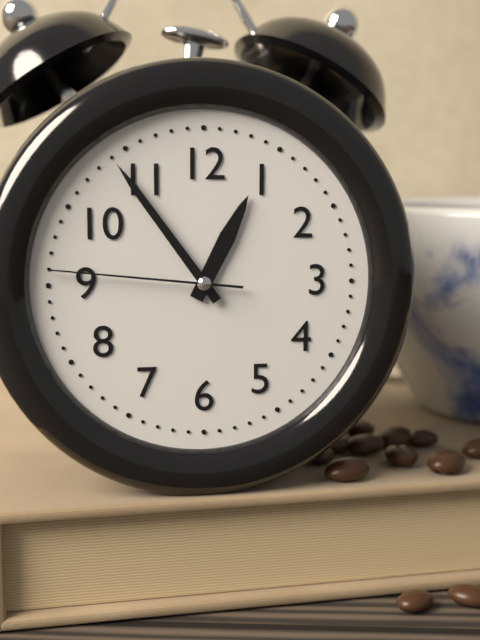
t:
12h54m46s
